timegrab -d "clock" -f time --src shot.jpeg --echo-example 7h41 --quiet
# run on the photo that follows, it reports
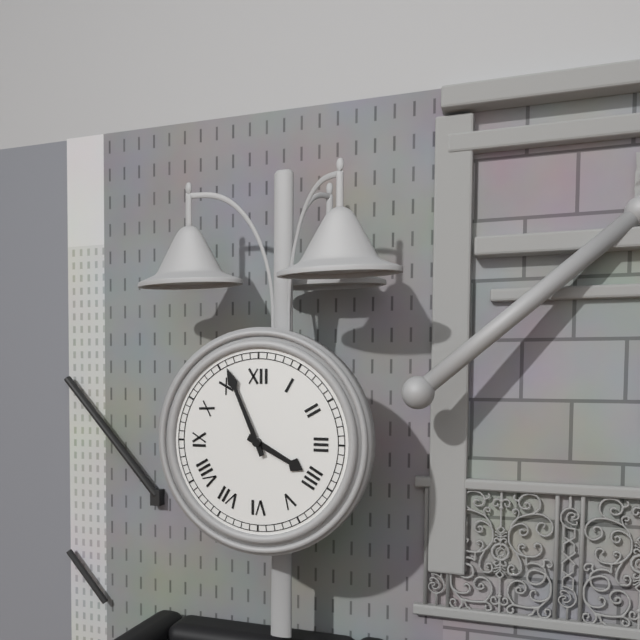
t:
3h56
